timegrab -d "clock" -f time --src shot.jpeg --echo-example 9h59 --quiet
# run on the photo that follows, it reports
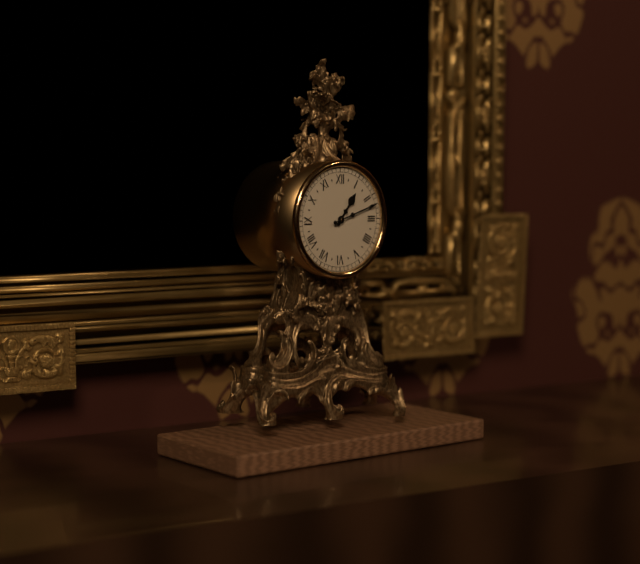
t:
1h12
